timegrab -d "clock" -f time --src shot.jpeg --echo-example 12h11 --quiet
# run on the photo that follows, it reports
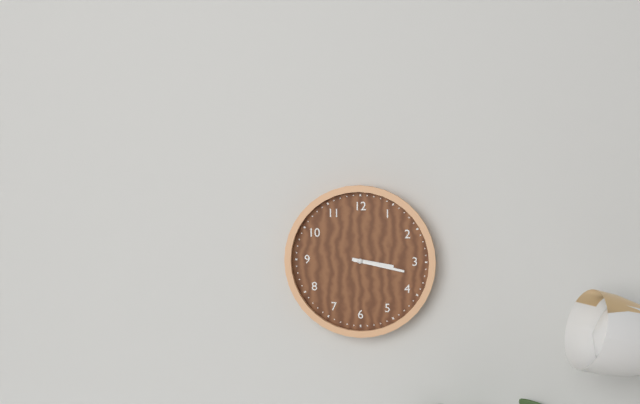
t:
3h17
